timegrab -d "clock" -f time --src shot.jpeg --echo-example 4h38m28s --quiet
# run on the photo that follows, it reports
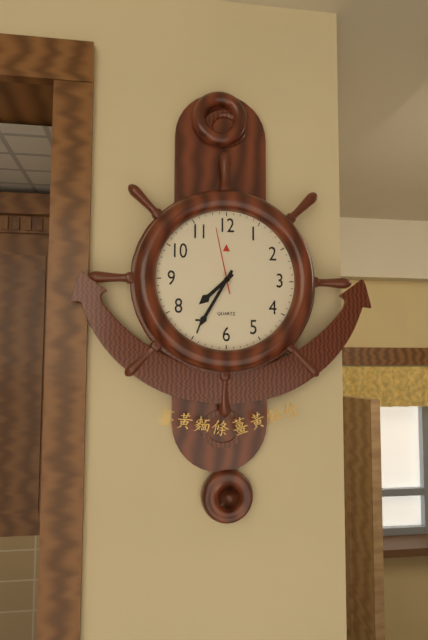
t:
7h35m58s
